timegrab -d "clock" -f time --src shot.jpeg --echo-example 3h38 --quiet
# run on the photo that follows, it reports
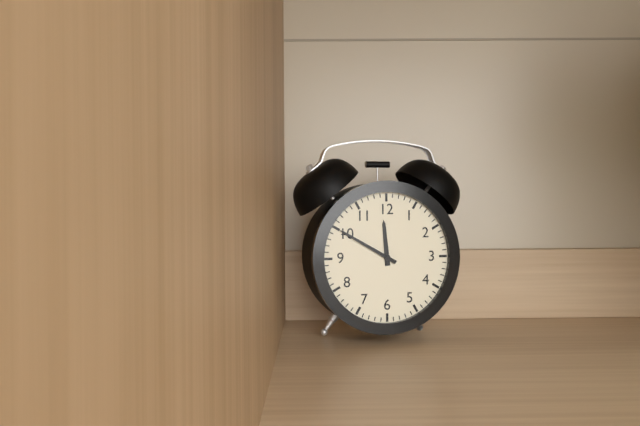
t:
11h50
